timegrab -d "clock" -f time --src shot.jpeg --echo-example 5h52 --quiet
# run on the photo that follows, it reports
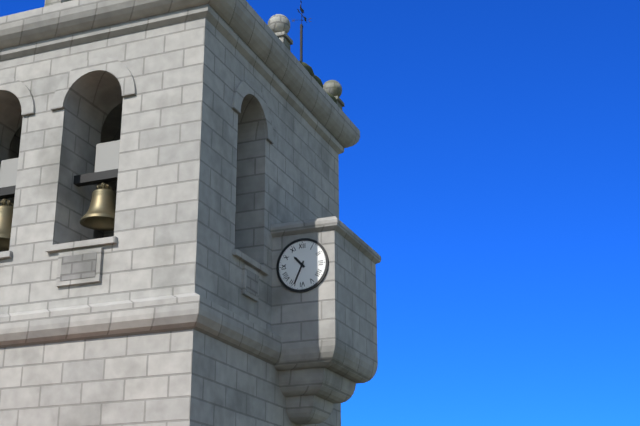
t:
10h34
